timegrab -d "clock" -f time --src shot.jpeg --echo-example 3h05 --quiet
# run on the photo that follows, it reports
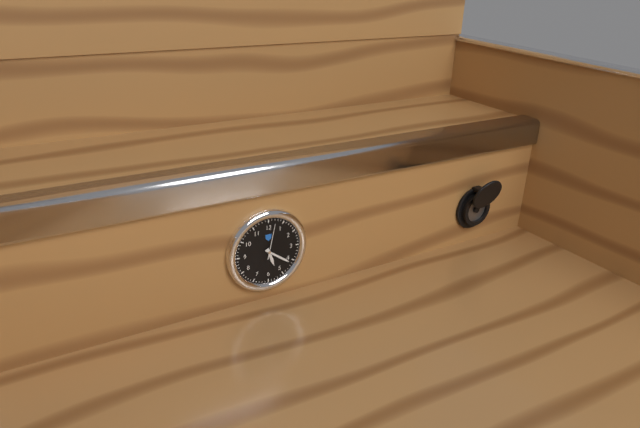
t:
5h21
